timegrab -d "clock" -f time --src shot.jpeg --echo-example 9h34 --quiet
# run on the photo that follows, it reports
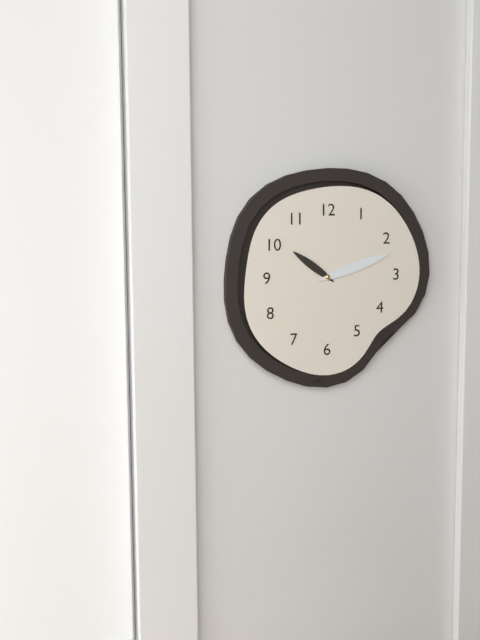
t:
10h12
